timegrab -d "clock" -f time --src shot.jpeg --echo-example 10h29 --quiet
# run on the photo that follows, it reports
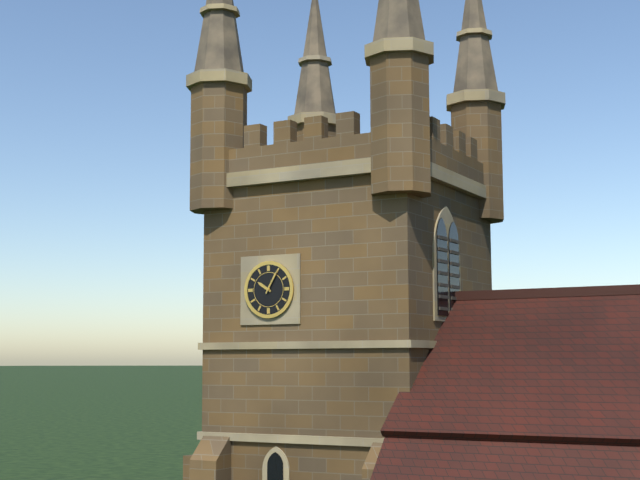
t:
10h05
